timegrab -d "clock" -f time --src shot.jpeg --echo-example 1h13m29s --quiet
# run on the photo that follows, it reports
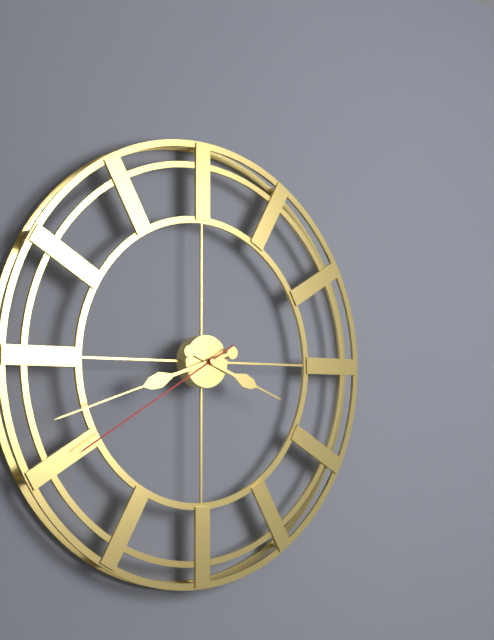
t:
3h42m40s
